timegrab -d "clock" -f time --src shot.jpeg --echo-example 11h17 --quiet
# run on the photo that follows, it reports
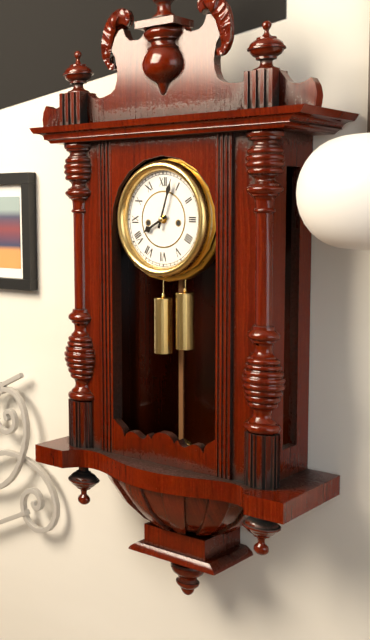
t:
8h03
